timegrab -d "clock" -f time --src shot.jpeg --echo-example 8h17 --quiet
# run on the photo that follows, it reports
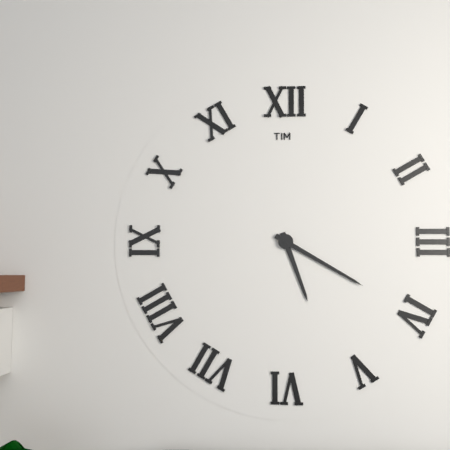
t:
5h20
